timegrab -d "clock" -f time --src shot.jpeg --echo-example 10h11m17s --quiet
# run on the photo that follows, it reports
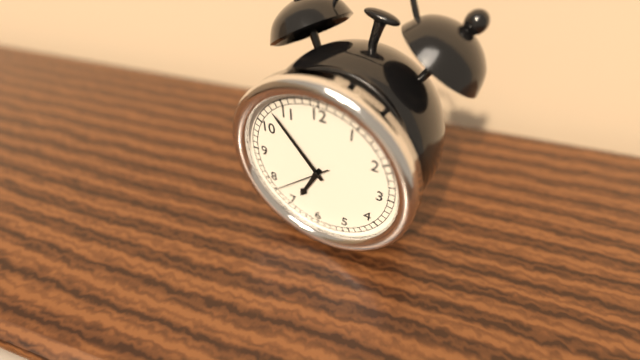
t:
6h53m38s
